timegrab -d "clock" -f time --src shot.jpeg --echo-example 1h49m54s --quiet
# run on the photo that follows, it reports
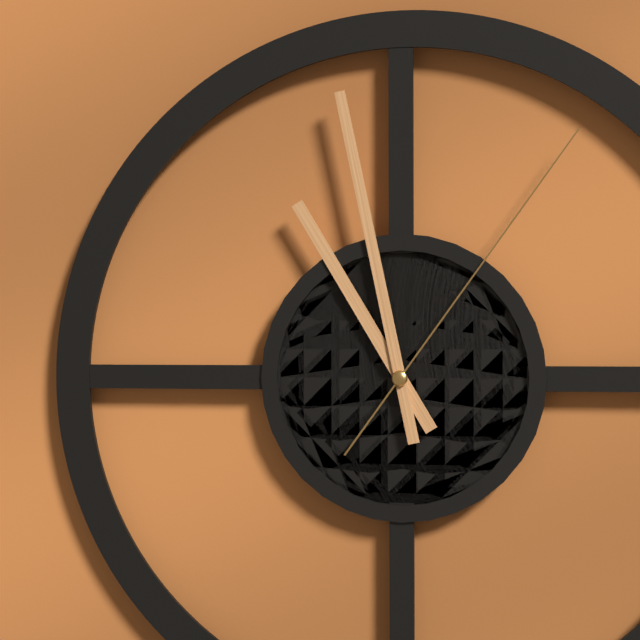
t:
10h58m06s
